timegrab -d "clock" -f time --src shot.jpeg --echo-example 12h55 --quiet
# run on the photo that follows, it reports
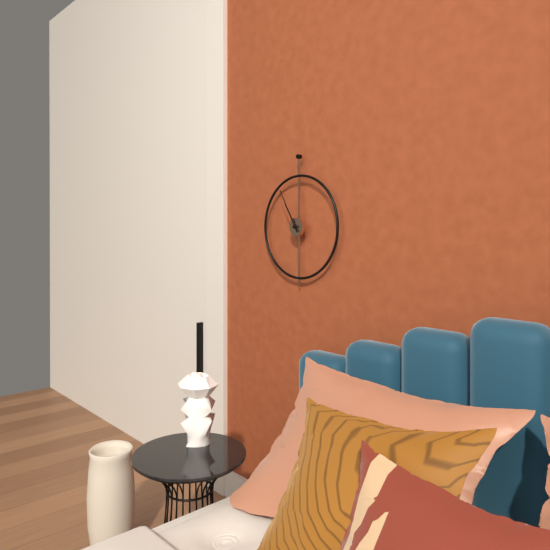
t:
10h55
